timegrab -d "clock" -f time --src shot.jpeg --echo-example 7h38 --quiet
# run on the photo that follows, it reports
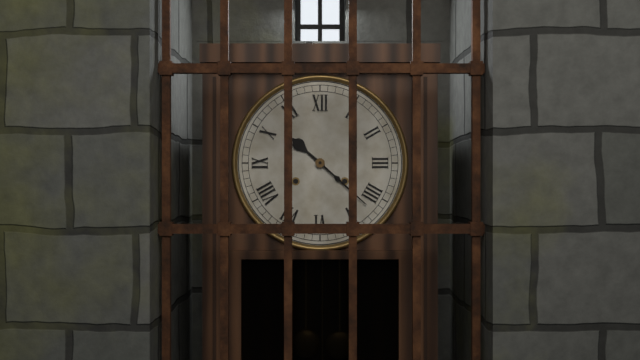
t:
10h22
